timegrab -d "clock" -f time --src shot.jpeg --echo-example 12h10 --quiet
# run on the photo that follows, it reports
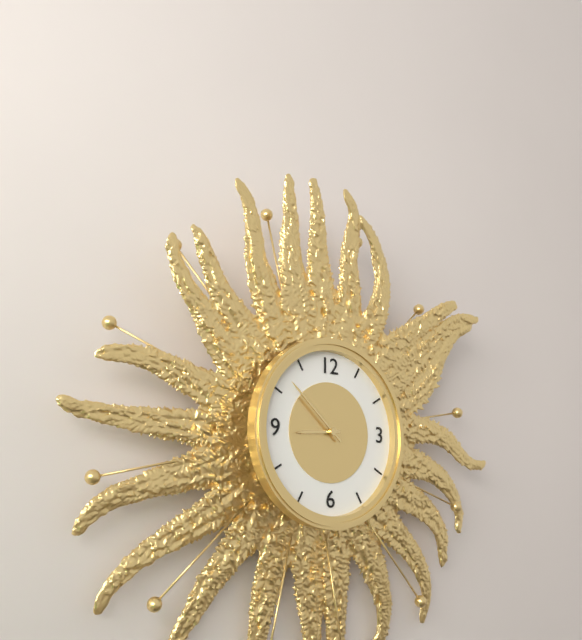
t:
8h52
